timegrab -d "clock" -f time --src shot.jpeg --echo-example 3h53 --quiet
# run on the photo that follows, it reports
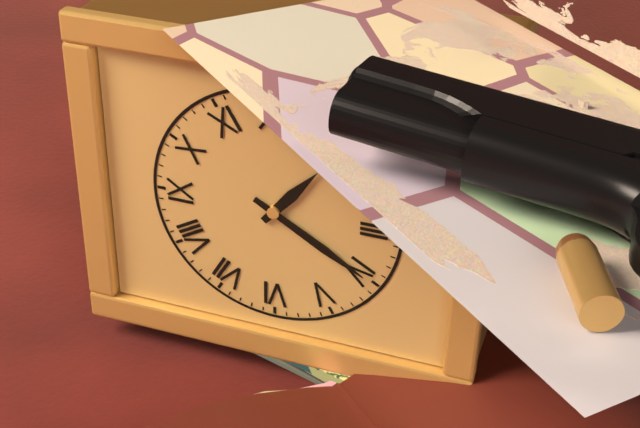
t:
1h20
